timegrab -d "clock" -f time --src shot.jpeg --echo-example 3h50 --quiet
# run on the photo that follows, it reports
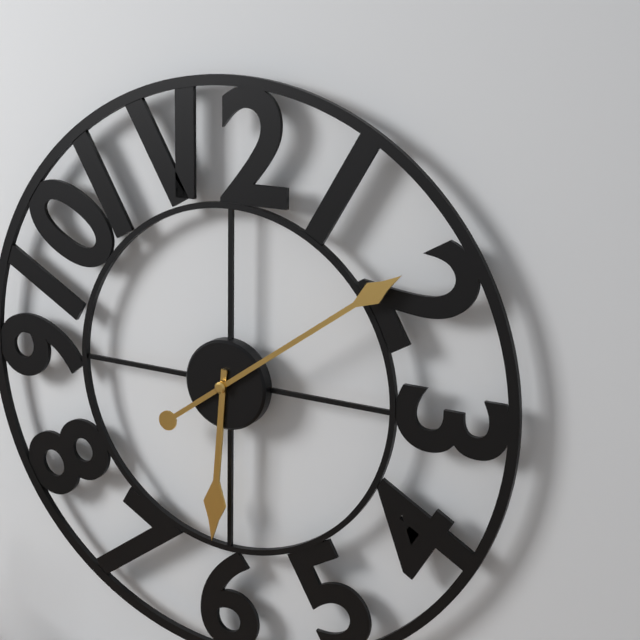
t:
6h09
